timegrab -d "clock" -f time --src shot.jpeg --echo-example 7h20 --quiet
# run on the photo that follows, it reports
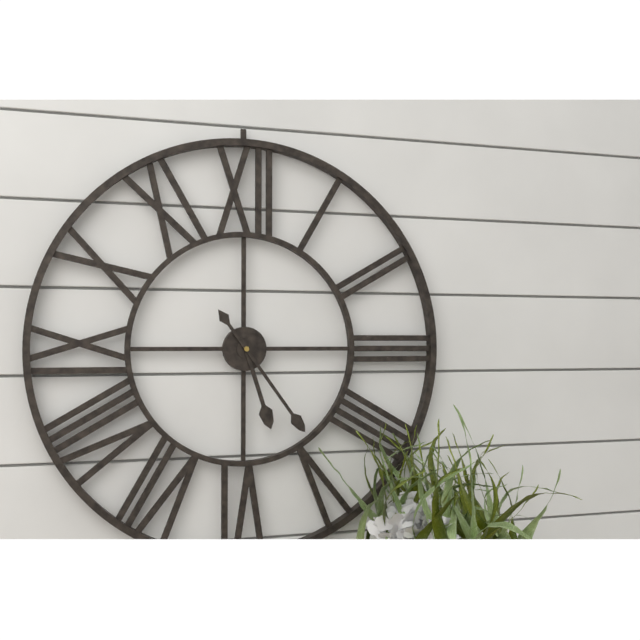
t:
5h24
